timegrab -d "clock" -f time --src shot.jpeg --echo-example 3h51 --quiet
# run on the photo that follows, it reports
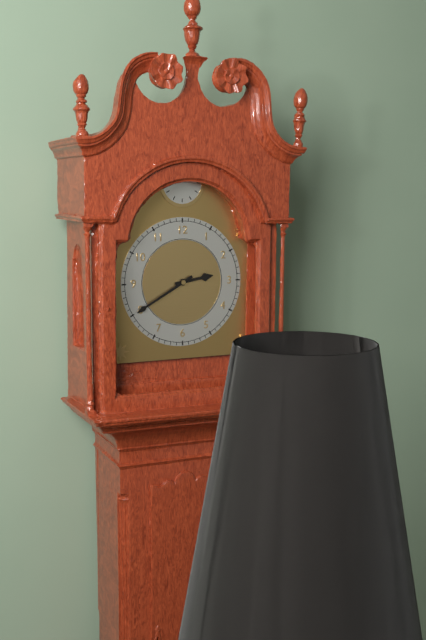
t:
2h40
